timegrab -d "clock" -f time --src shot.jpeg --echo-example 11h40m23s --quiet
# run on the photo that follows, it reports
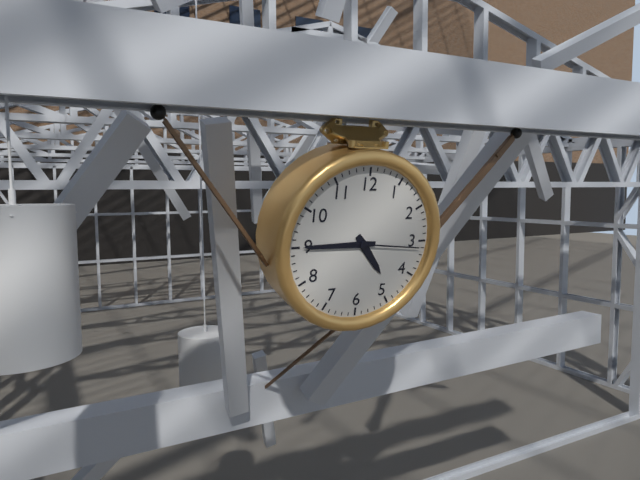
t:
4h45m16s
